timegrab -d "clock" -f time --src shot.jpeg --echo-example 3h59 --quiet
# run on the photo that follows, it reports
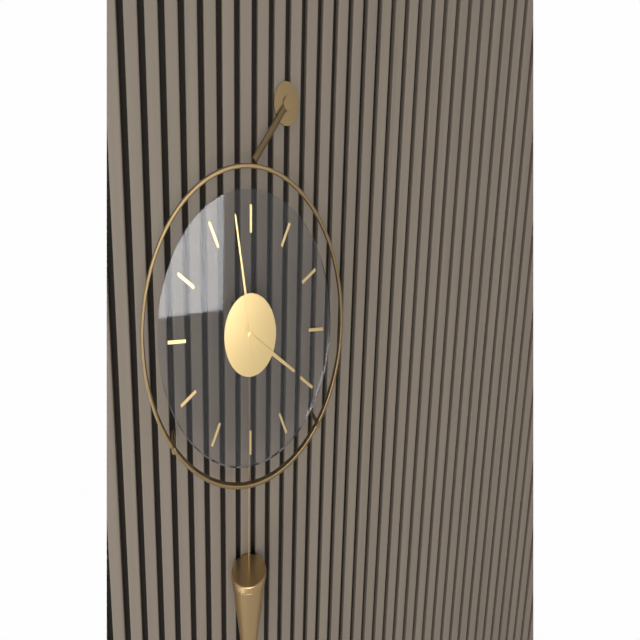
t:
3h58
